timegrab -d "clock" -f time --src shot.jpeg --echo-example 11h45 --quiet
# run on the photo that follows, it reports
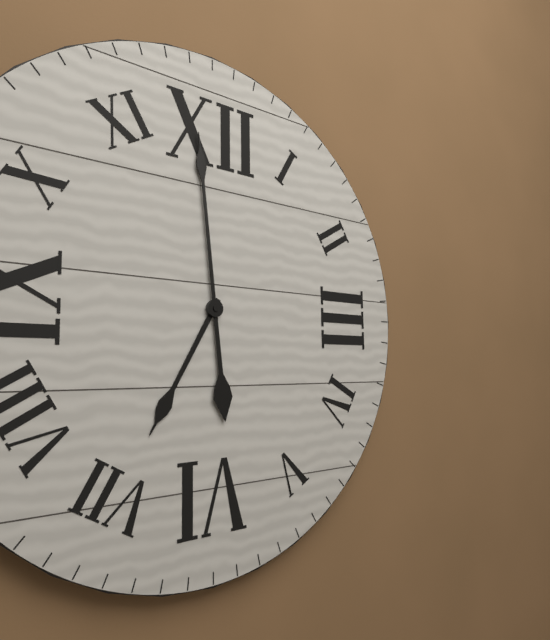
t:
6h59
